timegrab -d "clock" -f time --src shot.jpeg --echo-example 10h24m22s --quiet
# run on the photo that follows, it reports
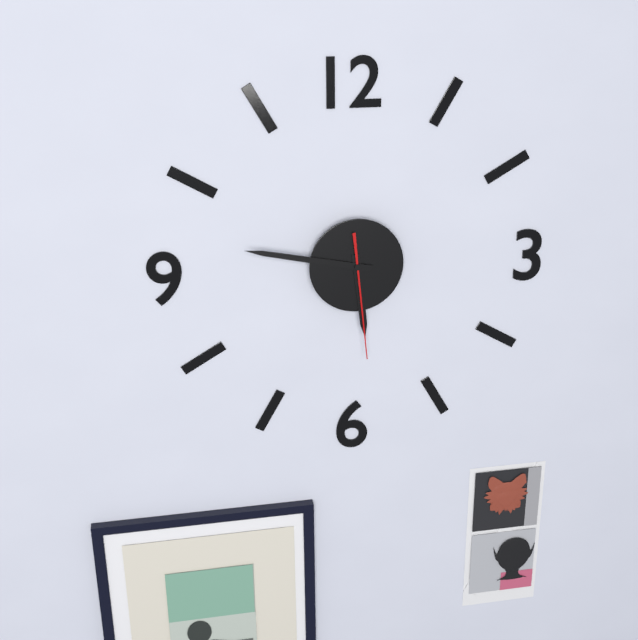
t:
5h47m29s
